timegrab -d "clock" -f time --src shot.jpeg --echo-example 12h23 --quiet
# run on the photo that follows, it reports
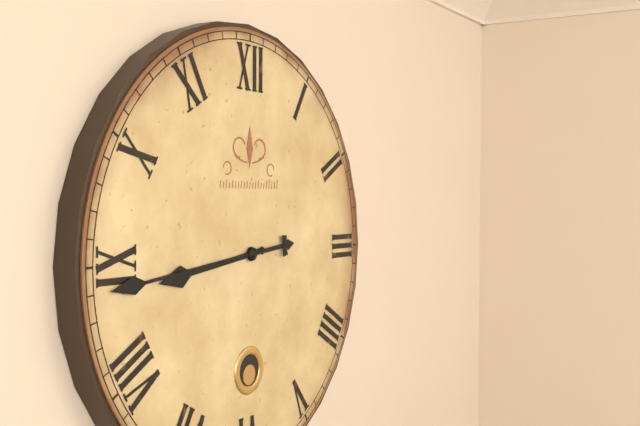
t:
8h44
